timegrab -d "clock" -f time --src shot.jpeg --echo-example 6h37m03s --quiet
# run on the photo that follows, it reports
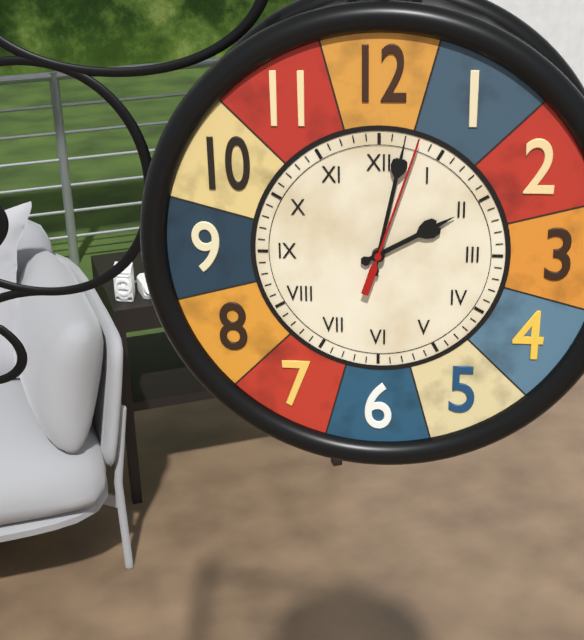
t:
2h02m03s
